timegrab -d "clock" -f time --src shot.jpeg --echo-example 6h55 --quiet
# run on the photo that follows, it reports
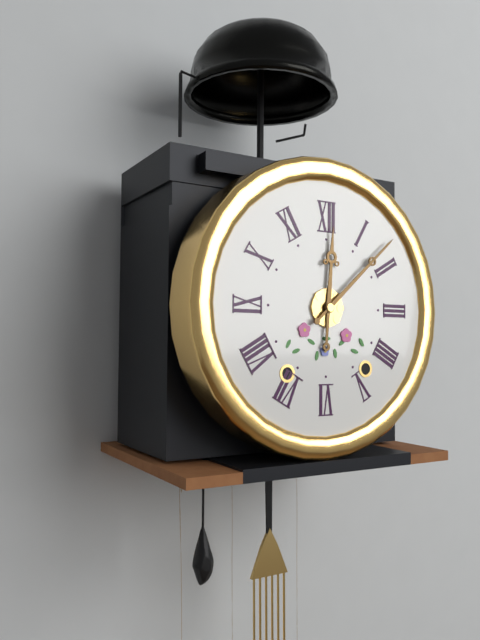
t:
12h08
